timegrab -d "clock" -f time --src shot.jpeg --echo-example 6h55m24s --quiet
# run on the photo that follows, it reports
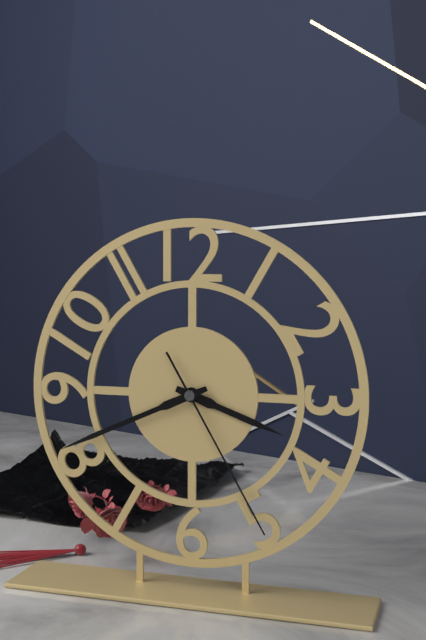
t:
3h41m25s
